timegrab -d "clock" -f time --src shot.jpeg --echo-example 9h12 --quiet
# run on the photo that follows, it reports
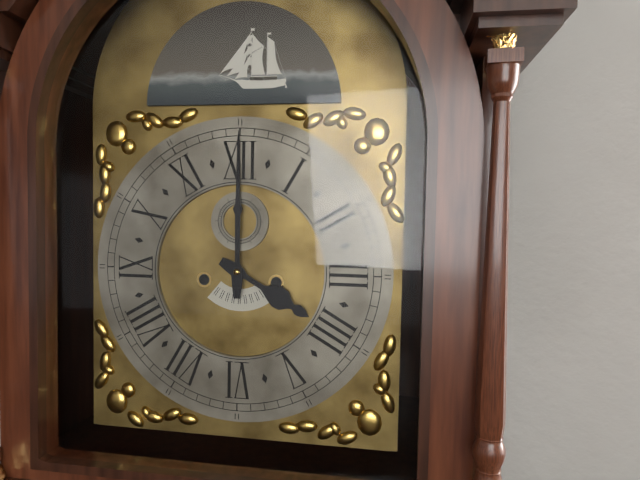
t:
4h00
